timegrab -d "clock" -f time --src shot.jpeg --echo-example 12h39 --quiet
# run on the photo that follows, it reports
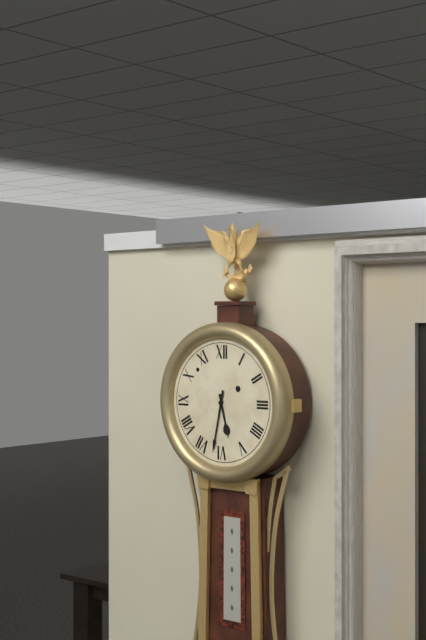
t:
5h32
